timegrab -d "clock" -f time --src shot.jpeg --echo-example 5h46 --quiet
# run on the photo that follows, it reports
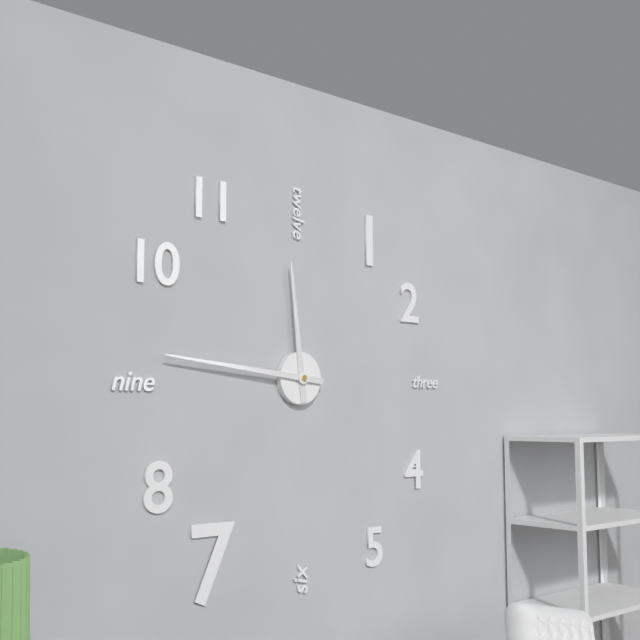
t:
11h46
